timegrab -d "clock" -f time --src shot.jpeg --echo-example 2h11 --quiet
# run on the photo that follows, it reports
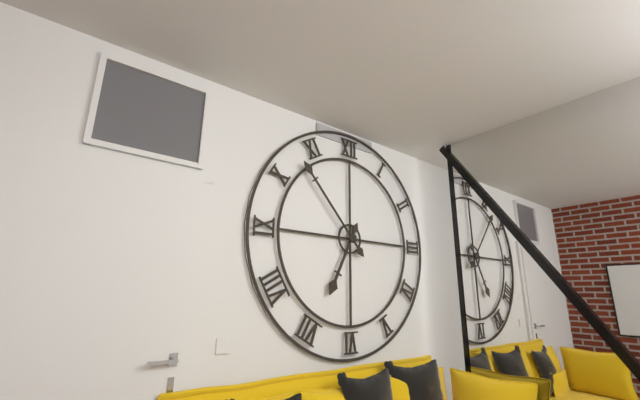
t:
6h53
